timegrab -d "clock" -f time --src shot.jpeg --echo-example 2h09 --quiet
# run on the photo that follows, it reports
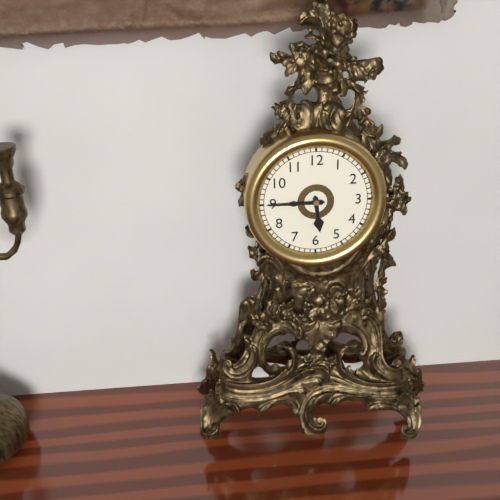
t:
5h45
